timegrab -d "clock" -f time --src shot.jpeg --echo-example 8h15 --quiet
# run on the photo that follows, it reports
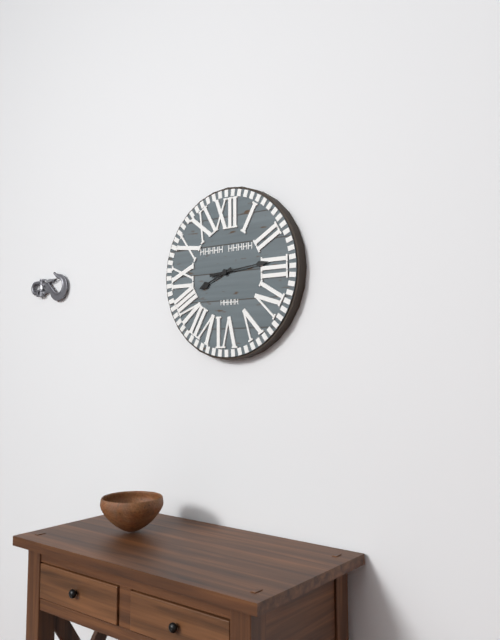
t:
8h14
